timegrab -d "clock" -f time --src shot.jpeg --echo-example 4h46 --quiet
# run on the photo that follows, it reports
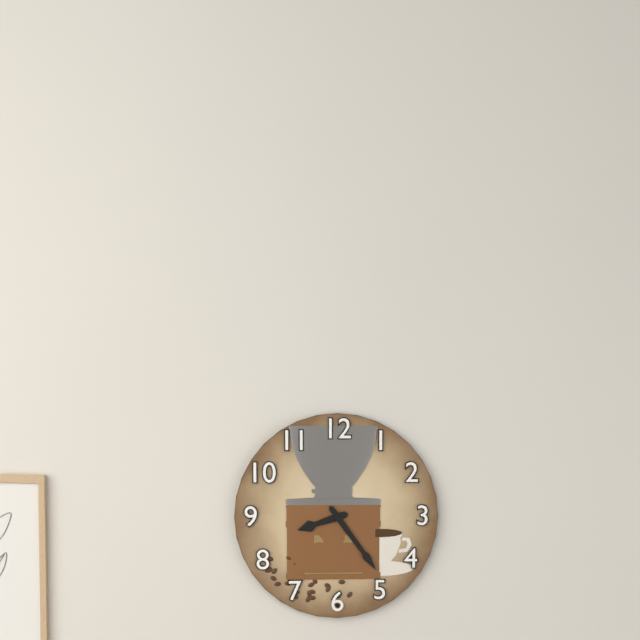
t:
8h24
